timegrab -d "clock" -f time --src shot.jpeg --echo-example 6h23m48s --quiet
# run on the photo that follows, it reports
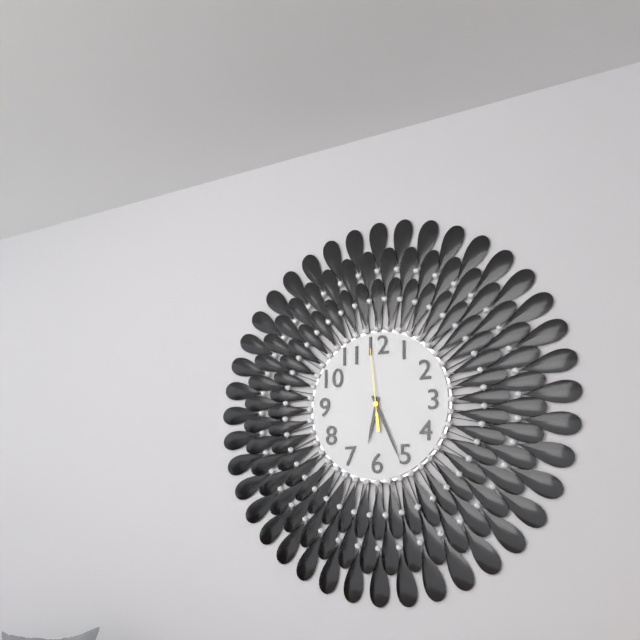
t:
6h26m59s
